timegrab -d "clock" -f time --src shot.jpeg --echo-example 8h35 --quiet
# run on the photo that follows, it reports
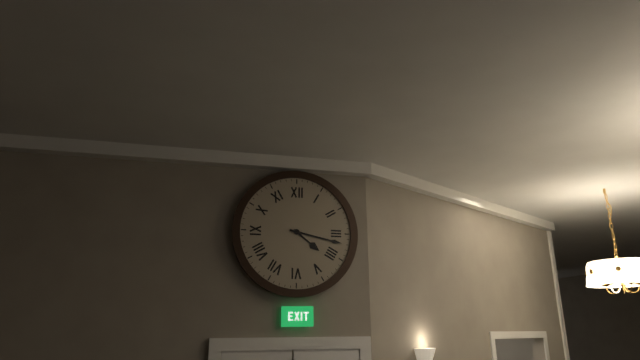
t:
4h17
